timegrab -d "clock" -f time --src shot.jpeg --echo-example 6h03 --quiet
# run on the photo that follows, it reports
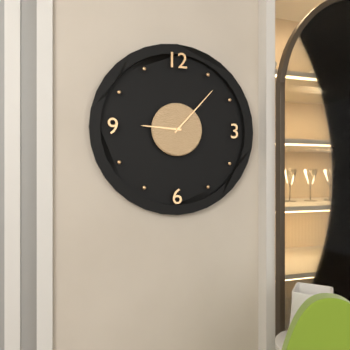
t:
9h07
